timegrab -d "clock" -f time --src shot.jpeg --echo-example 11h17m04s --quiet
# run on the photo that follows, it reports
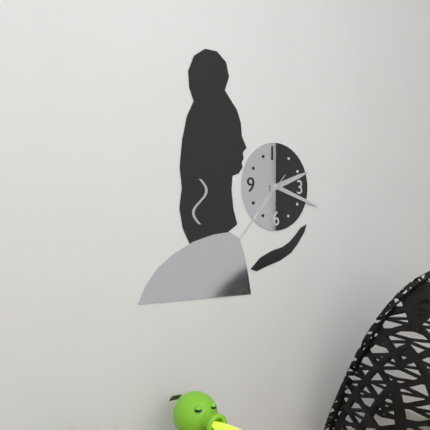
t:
2h18m37s
